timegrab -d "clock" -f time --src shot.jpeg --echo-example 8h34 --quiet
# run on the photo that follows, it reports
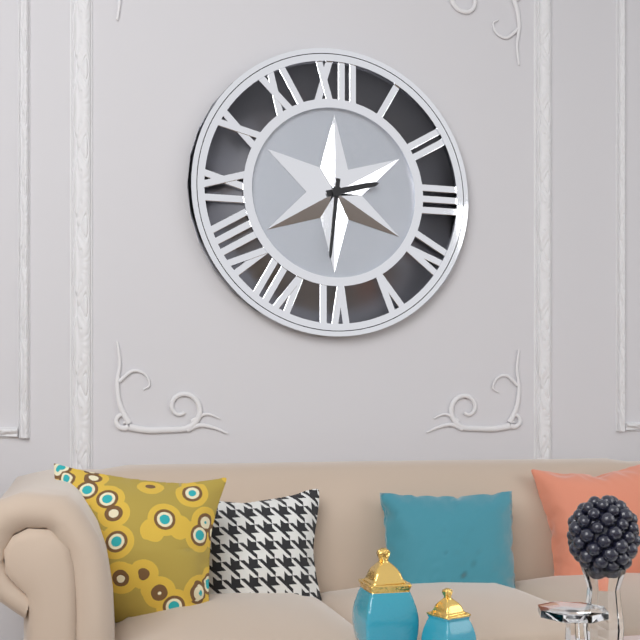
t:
2h31
